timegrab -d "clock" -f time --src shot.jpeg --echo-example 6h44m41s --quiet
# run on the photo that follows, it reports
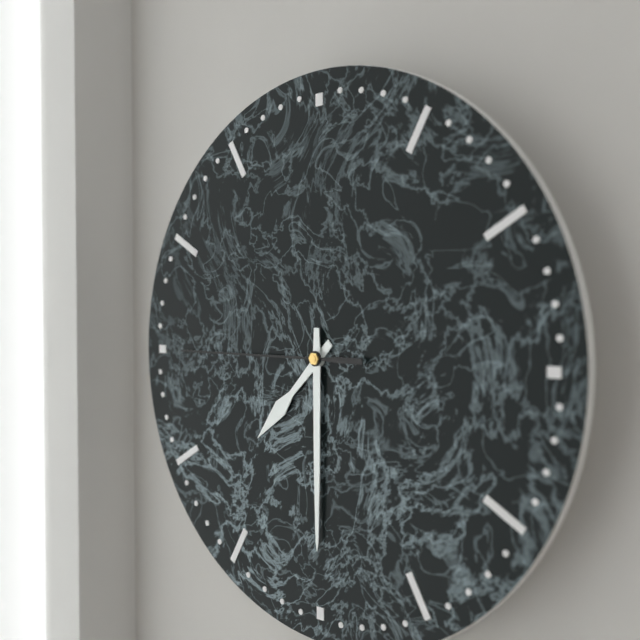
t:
7h30m45s
